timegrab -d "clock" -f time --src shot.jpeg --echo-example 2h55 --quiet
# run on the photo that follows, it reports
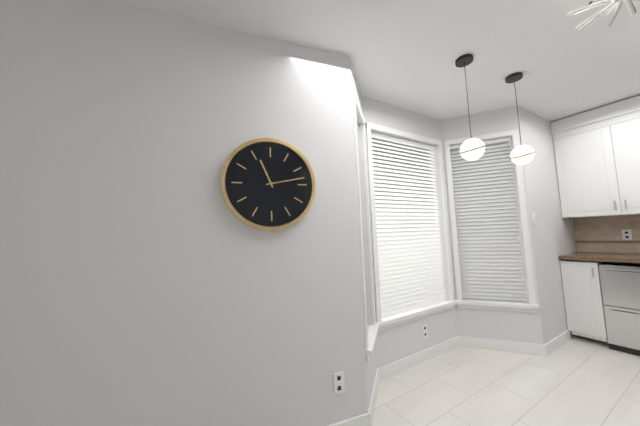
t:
11h13
